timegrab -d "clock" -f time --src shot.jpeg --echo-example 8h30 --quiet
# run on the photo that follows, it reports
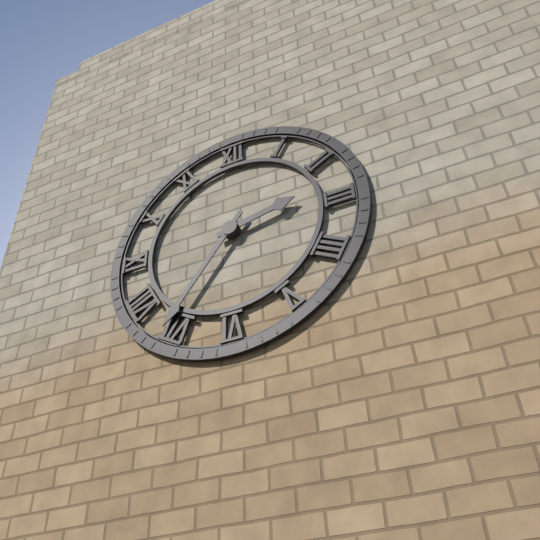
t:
2h36
